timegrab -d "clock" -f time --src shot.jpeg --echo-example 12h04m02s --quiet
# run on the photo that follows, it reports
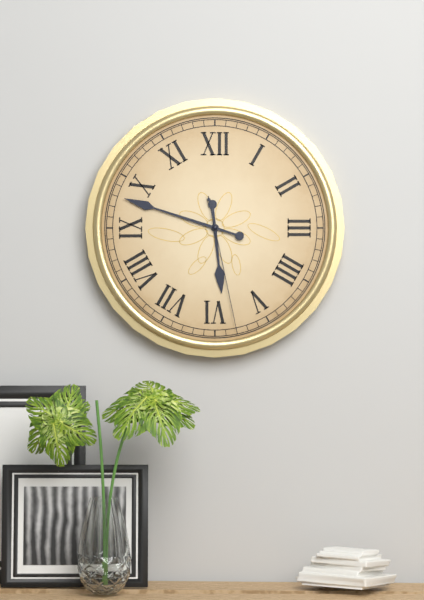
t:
5h48m28s
